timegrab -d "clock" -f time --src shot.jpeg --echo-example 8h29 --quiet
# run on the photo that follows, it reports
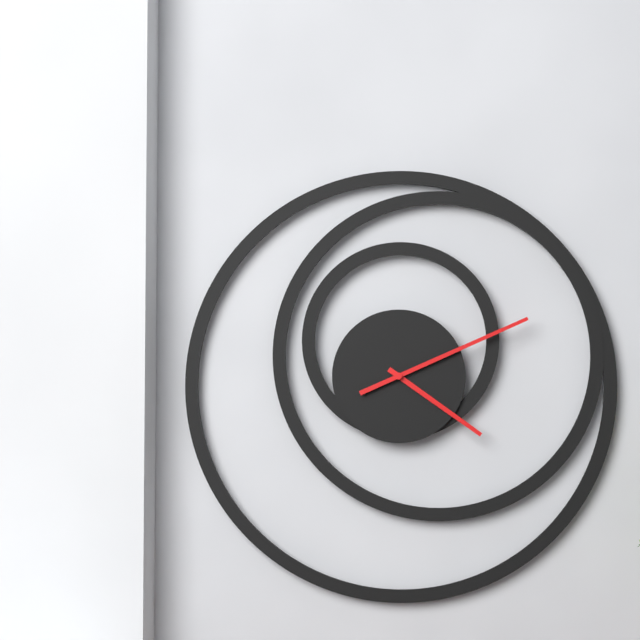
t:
4h11
